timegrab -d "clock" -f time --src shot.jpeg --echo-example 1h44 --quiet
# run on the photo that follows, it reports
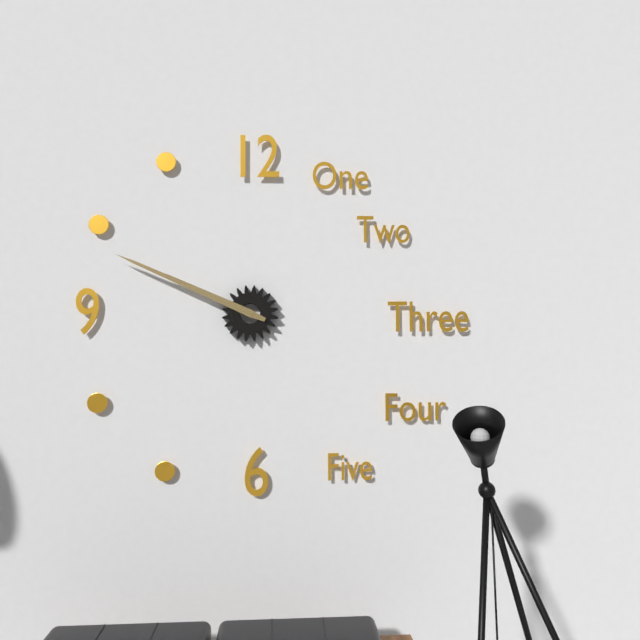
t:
9h49
